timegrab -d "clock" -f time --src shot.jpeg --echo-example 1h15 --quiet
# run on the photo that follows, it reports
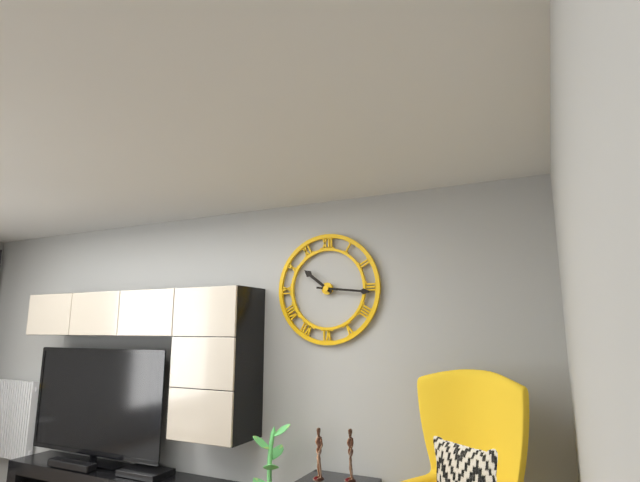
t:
10h16
